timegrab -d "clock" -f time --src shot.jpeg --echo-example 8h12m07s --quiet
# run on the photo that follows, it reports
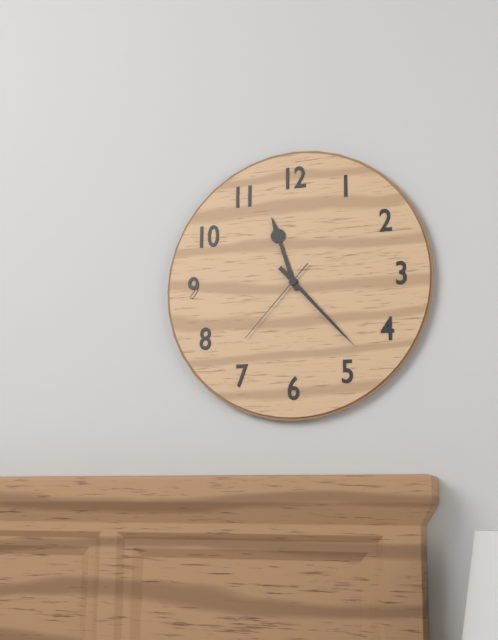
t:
11h23m37s
